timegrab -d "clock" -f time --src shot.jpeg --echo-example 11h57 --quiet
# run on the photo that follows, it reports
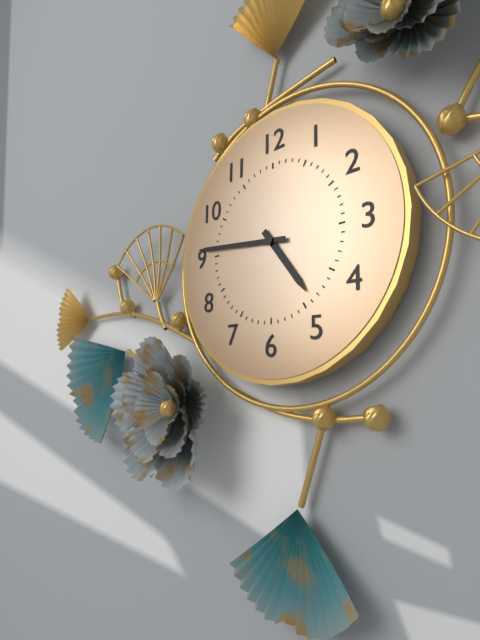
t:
4h46
